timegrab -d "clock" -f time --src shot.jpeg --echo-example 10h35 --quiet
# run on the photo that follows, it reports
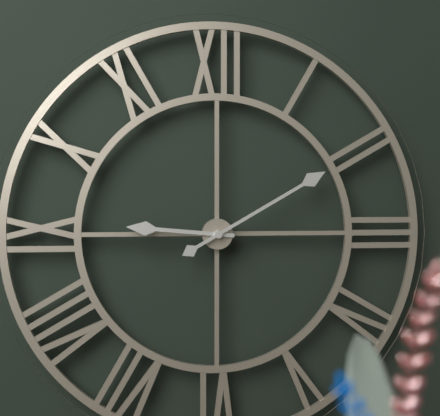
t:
9h10
